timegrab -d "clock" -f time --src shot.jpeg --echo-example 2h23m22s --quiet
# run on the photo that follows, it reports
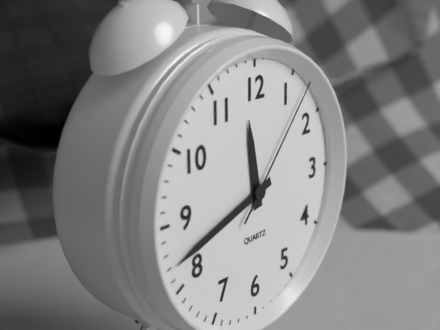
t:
11h42m07s
